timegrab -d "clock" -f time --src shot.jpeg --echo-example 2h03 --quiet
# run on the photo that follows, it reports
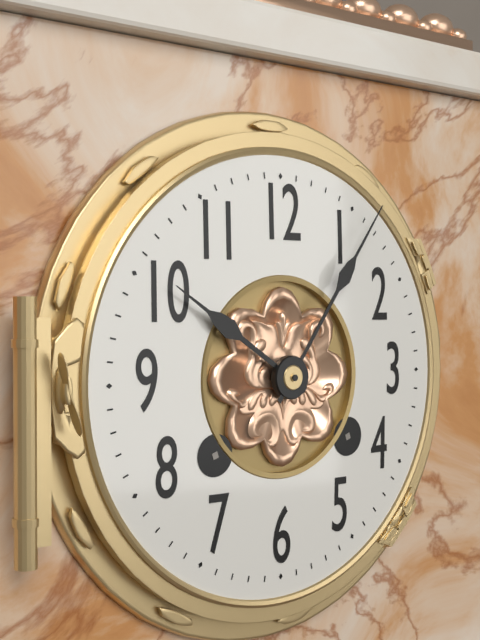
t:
10h06
